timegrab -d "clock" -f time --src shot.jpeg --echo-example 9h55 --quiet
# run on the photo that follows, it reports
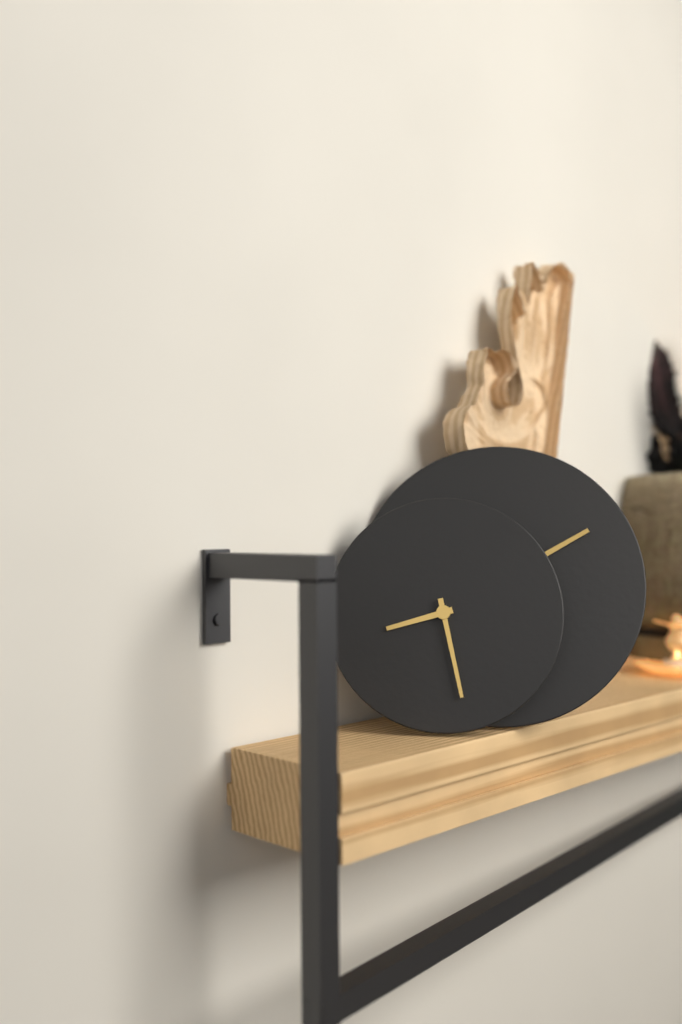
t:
8h28
